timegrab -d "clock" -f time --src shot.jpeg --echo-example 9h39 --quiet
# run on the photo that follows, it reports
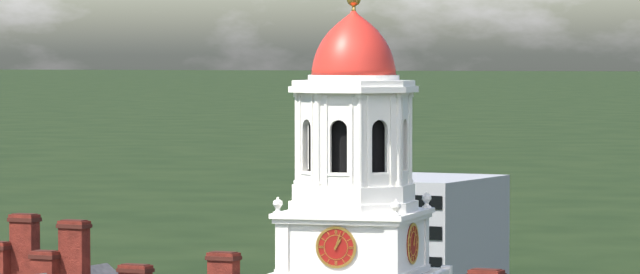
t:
1h03
